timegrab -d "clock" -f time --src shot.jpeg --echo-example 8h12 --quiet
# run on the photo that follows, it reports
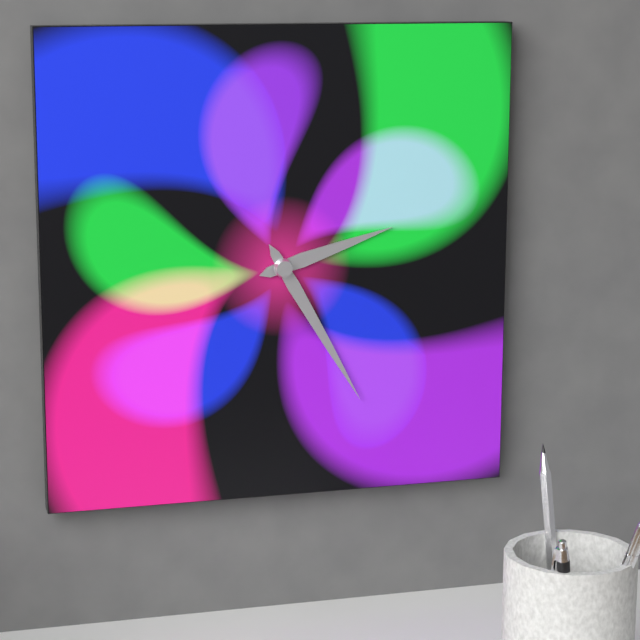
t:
2h25
